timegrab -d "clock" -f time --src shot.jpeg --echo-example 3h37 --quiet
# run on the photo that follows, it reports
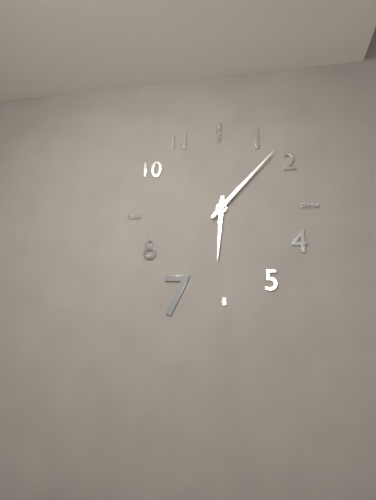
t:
6h07
